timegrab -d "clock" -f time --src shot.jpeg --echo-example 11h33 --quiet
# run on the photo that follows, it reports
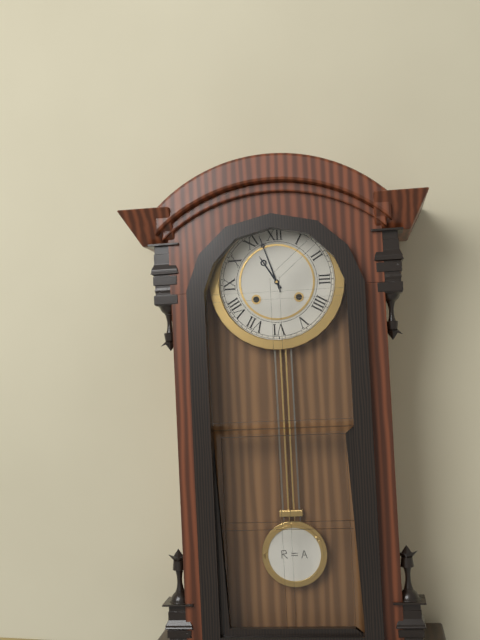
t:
10h57
